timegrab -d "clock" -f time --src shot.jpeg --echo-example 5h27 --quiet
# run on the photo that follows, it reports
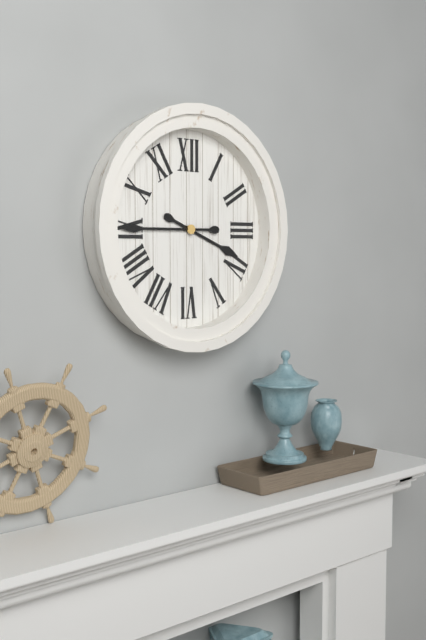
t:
3h45
